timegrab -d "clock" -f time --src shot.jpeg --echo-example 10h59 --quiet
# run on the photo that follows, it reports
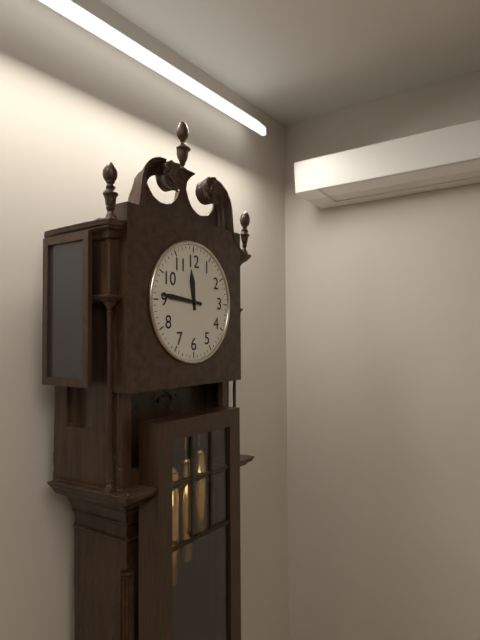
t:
11h46
